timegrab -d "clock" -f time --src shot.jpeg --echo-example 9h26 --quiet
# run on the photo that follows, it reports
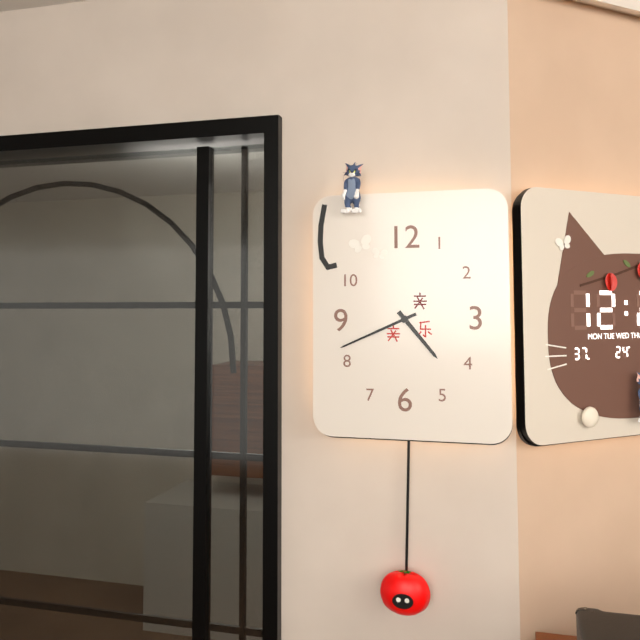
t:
4h41
